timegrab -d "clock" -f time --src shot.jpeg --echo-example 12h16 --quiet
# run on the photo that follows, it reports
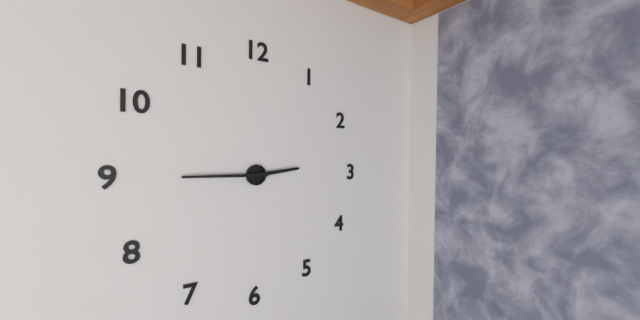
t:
2h45
